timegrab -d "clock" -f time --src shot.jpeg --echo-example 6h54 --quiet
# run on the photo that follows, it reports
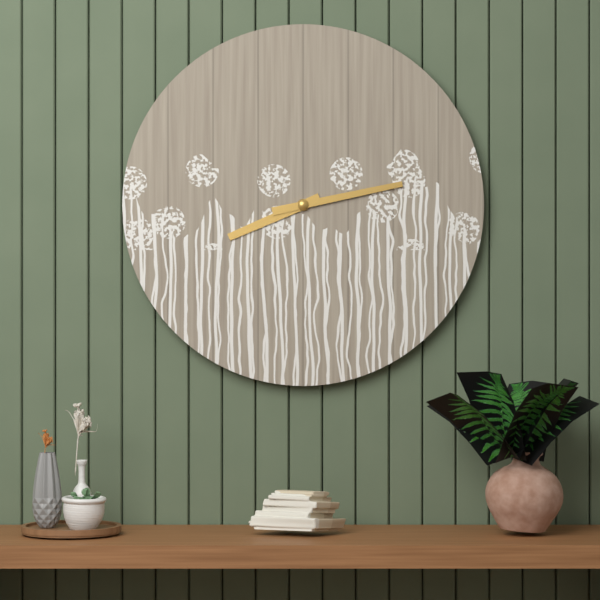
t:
8h13
